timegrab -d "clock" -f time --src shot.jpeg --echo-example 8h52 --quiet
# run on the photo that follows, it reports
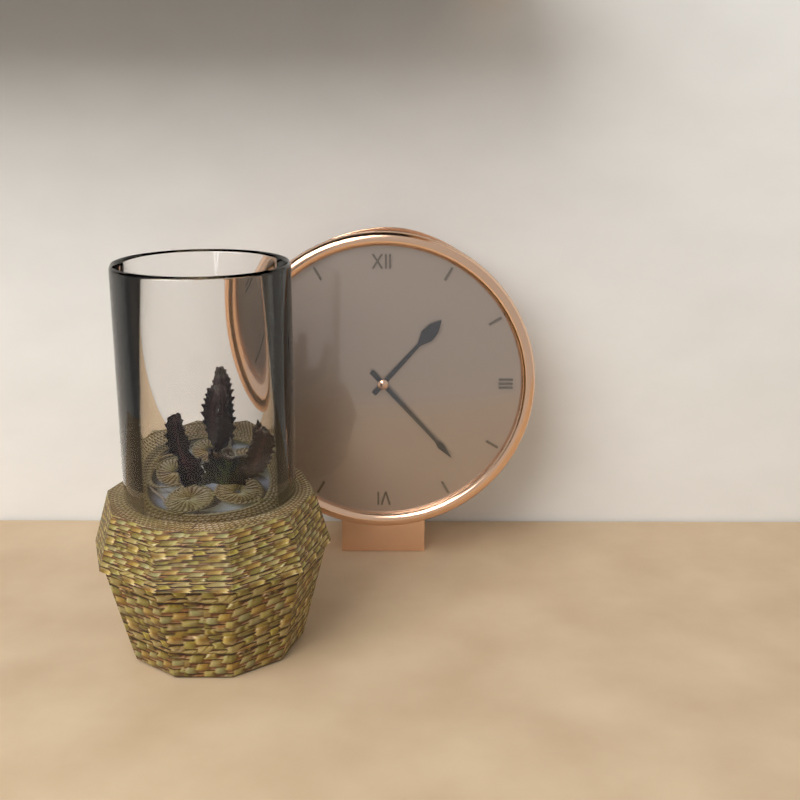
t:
1h23
